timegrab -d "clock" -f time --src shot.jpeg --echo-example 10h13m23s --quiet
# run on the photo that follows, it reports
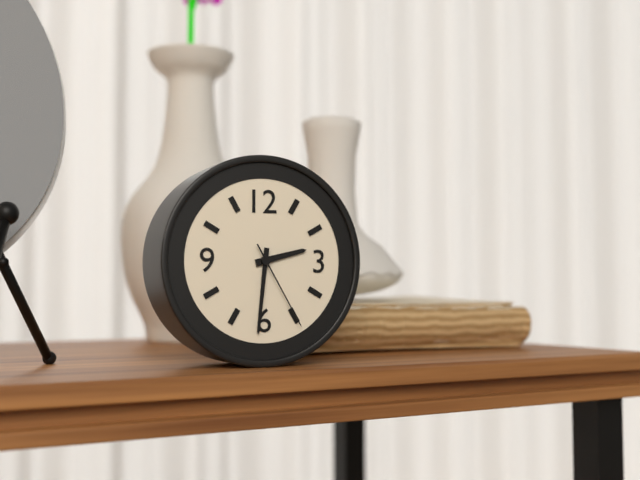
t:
2h31m25s
